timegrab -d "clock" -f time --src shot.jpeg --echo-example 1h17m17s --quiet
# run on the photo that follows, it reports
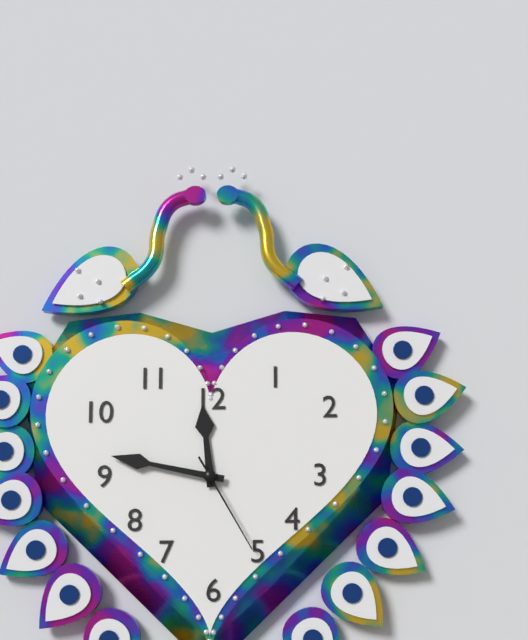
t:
11h47m25s
